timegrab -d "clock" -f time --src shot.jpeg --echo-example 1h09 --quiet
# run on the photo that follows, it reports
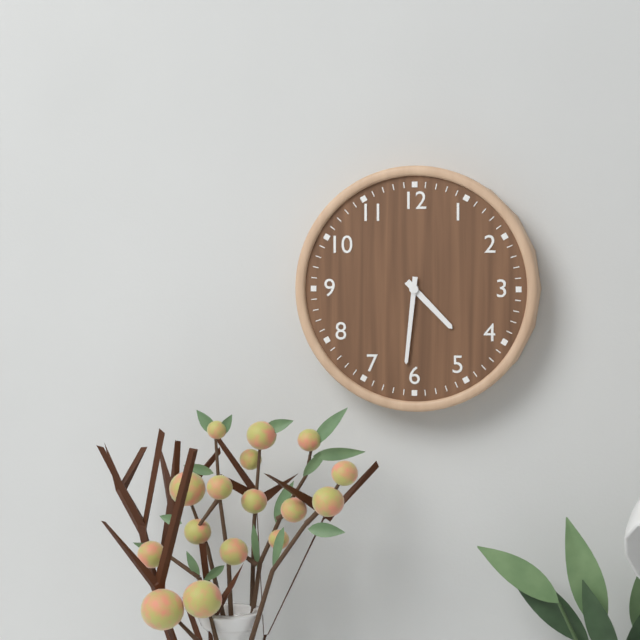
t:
4h31
